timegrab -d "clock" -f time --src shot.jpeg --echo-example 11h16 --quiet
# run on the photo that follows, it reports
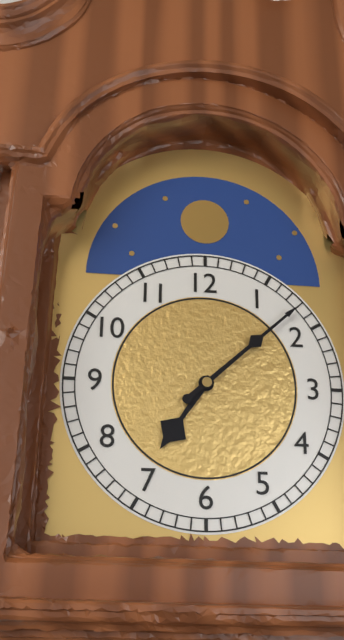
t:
7h08
